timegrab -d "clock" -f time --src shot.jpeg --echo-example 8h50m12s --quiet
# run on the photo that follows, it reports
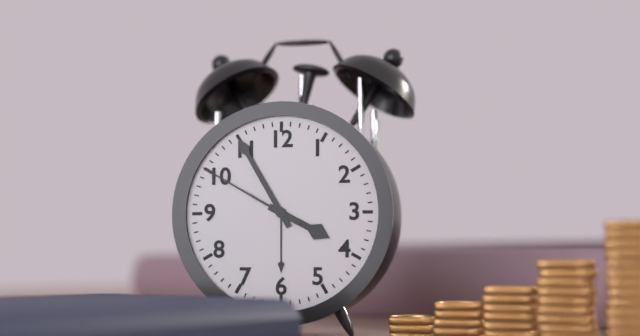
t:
3h55m50s
